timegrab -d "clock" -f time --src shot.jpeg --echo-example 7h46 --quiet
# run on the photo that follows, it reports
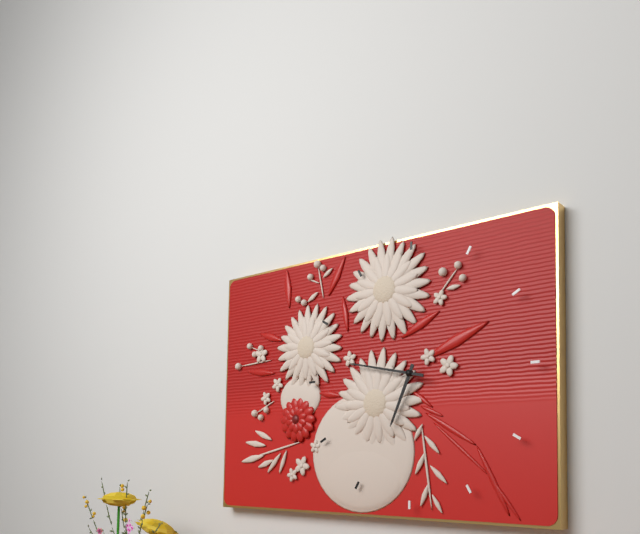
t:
6h47
